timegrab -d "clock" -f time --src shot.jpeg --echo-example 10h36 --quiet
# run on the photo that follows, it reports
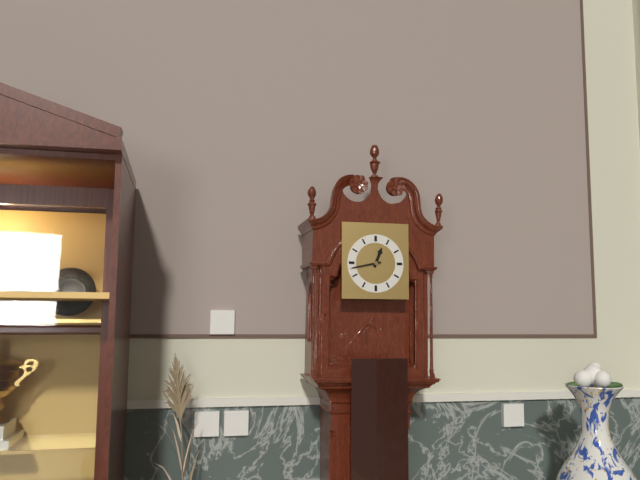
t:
12h43
